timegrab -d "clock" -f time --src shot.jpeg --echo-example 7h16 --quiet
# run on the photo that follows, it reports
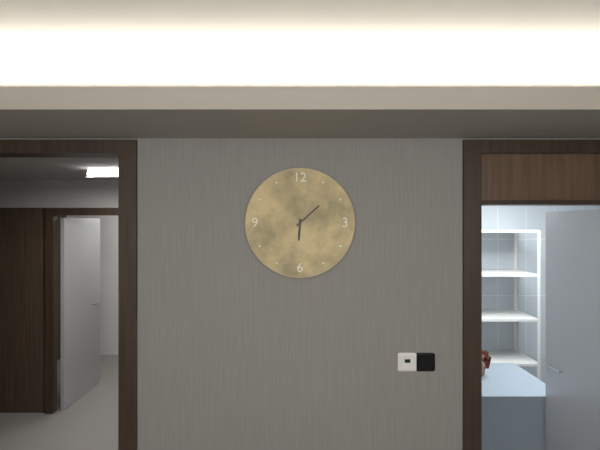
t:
6h08
